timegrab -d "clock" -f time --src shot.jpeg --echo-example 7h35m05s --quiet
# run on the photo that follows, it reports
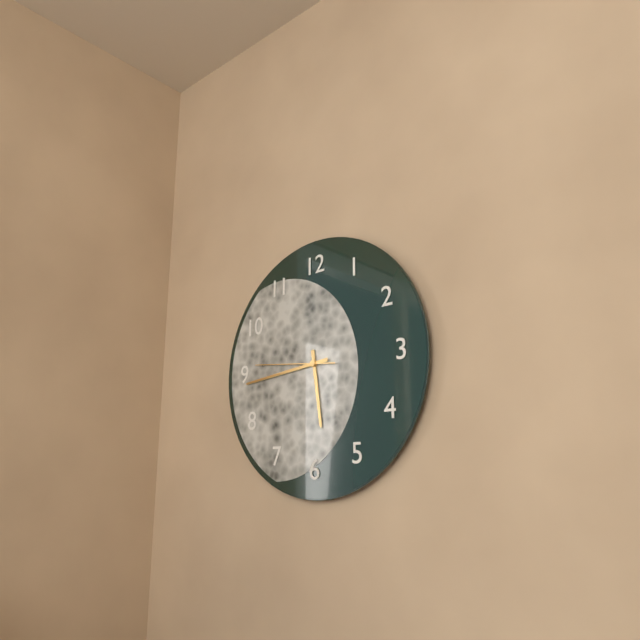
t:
5h44m46s
